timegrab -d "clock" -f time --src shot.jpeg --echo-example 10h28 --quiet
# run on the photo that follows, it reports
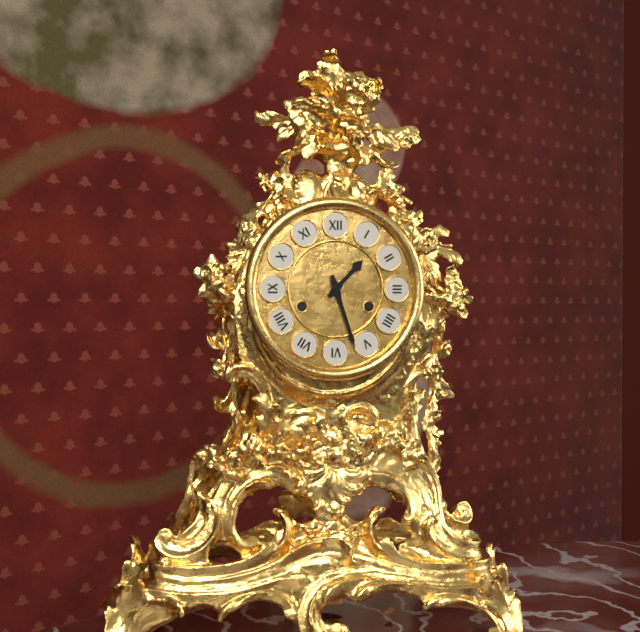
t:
1h27
